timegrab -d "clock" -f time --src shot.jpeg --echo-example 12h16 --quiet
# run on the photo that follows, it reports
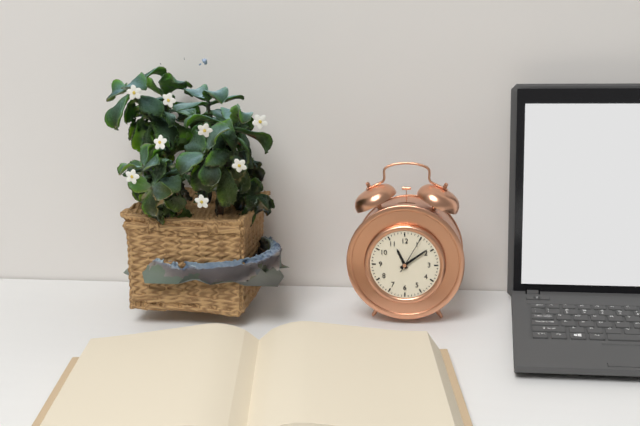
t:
11h09
